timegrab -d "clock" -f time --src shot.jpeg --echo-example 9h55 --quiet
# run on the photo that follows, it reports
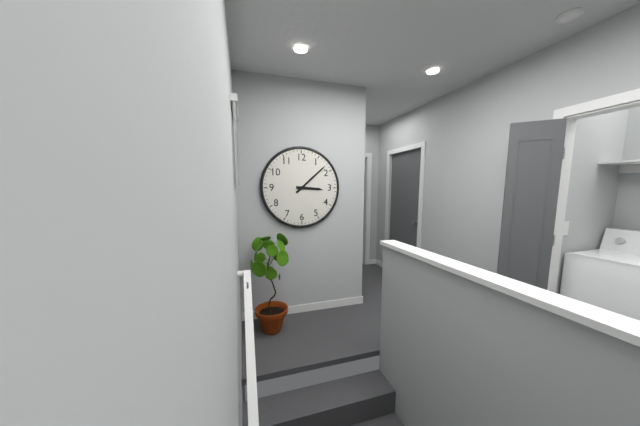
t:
3h08
